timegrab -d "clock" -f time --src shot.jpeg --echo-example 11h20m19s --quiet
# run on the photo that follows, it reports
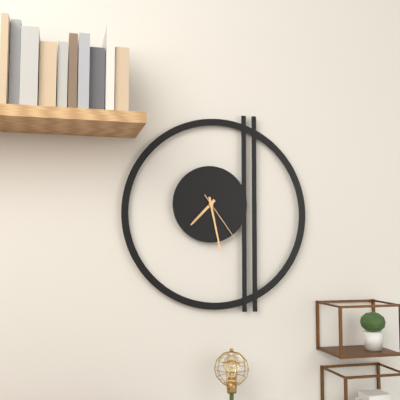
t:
7h28m24s
